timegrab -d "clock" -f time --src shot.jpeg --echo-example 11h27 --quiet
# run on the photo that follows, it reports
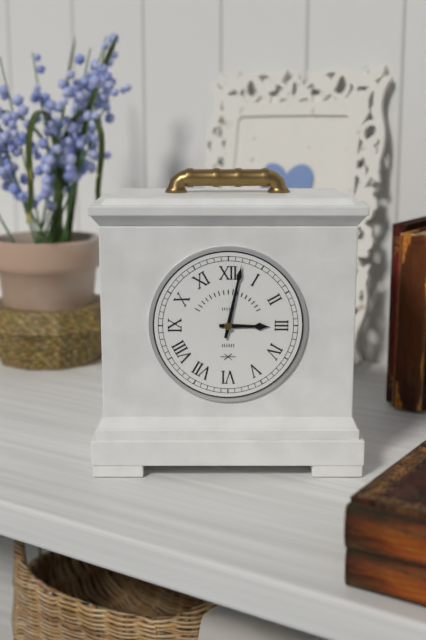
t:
3h02
